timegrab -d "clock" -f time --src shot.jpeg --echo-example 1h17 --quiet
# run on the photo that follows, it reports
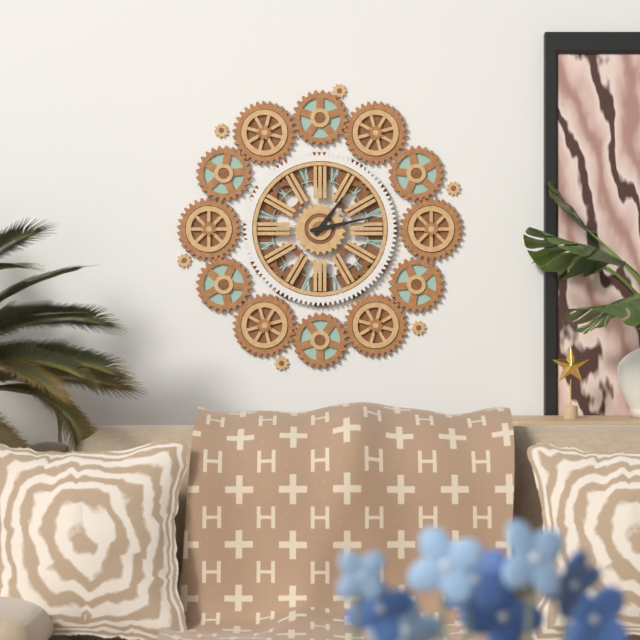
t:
1h13
